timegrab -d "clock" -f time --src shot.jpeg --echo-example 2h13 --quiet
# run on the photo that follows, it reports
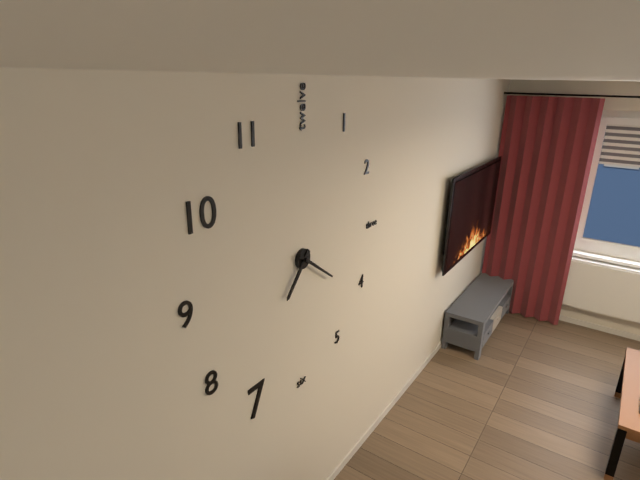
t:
7h21
